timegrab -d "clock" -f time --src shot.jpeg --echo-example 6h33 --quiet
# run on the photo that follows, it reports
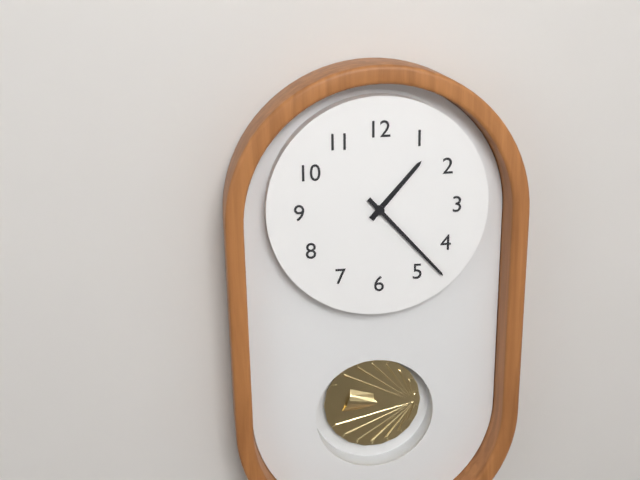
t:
1h23
